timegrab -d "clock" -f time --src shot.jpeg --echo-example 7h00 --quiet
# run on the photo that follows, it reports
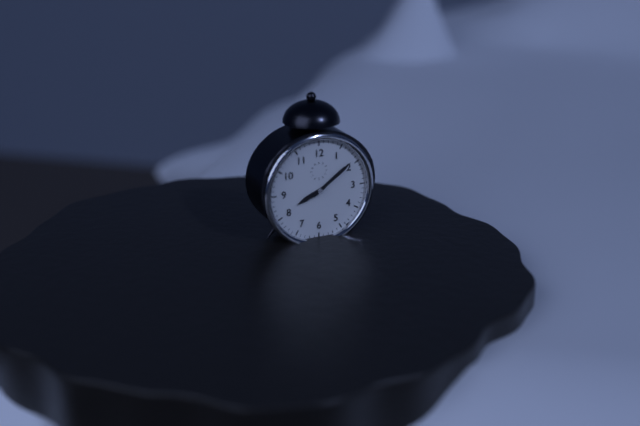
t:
8h09
